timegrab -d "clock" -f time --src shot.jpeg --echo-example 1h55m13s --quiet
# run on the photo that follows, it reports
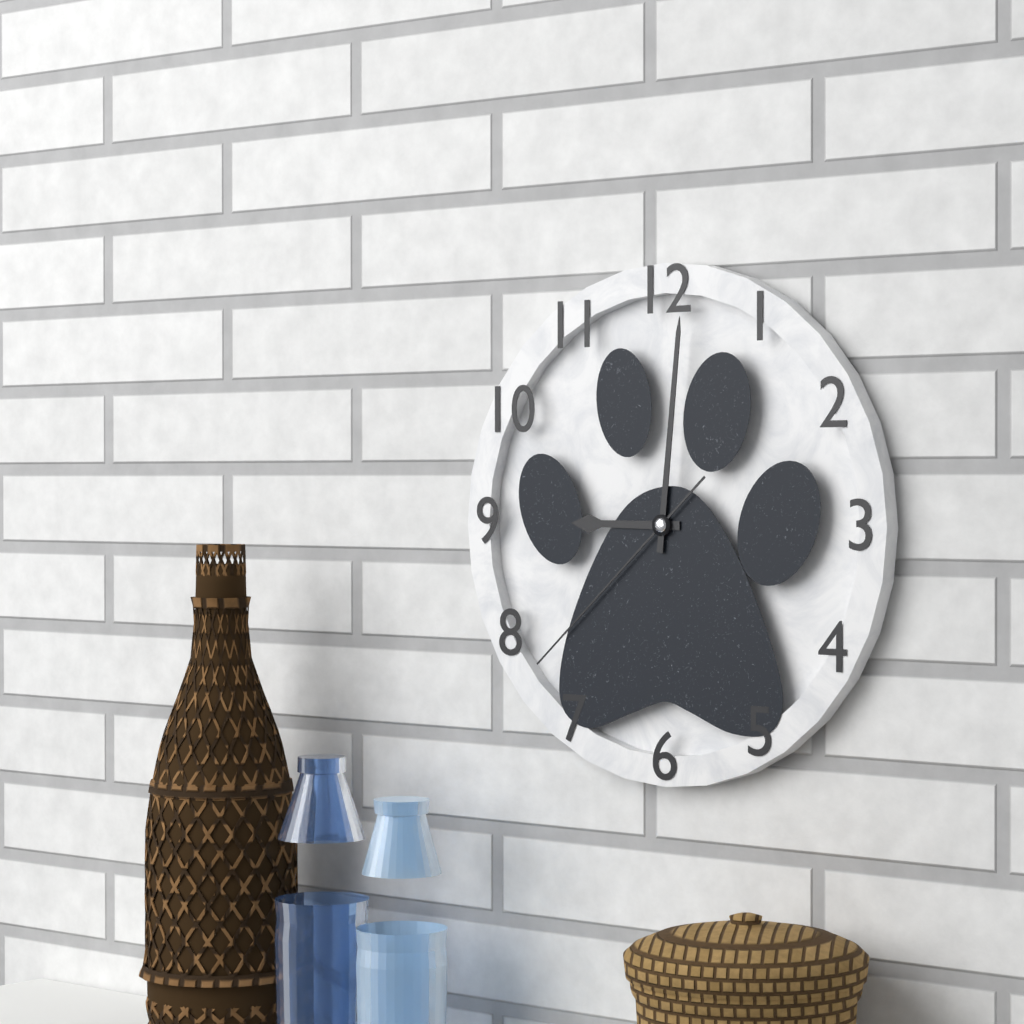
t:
9h01m38s
